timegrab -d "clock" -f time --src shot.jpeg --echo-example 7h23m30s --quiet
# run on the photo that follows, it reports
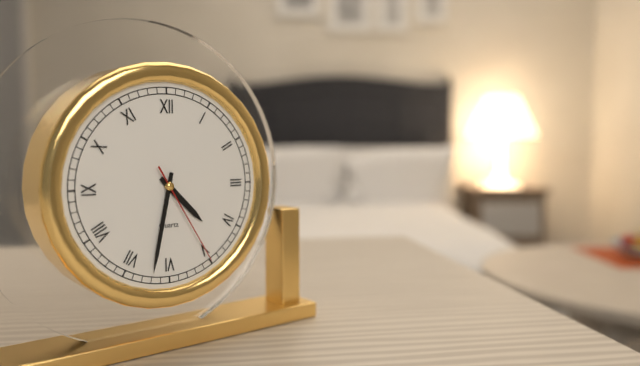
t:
4h32m25s
